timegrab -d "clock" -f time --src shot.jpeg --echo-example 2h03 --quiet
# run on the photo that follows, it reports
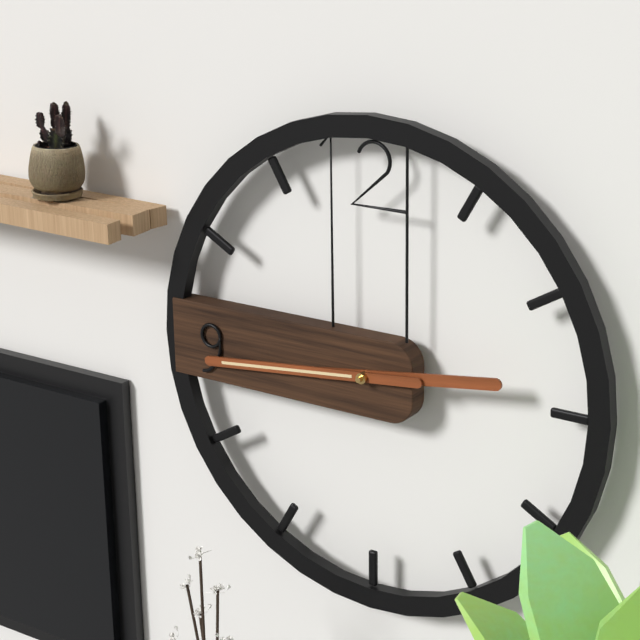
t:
2h44
